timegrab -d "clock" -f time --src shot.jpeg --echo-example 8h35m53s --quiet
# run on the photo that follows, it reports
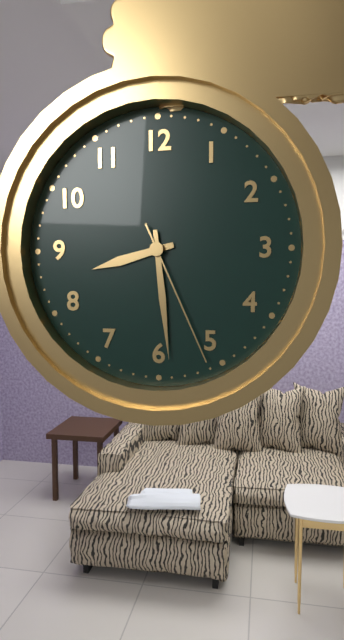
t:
8h29m26s
